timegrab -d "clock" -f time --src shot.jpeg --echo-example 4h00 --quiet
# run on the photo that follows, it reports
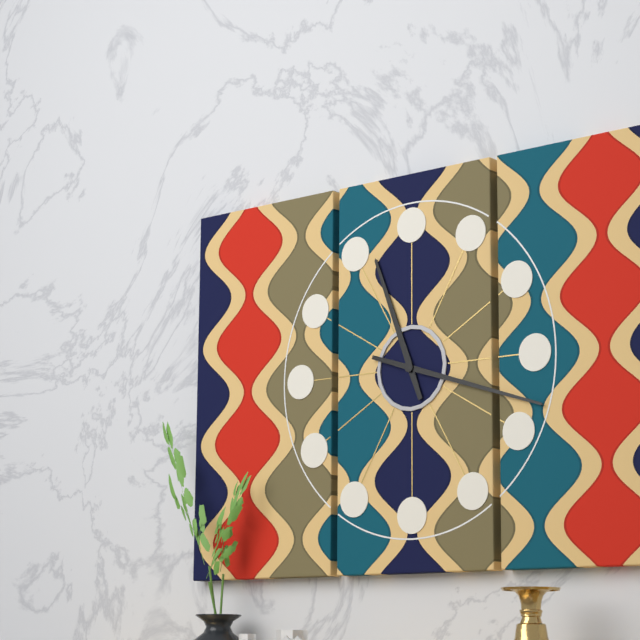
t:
11h18
